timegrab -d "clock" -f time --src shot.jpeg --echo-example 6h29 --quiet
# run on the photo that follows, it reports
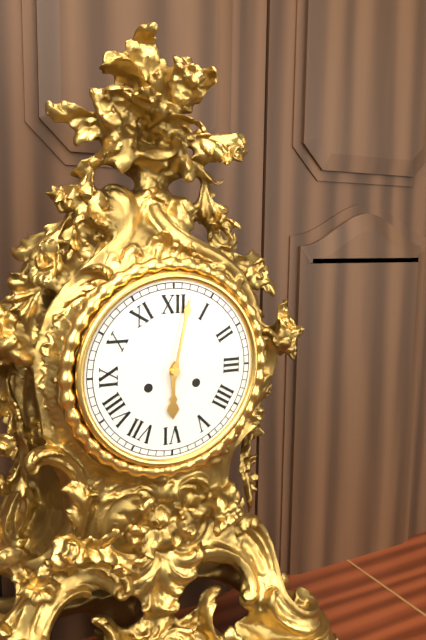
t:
6h02
